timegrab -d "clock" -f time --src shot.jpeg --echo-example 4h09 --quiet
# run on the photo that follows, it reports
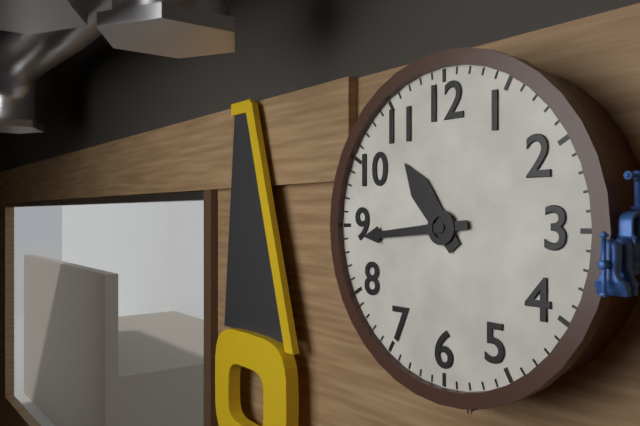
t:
10h44
